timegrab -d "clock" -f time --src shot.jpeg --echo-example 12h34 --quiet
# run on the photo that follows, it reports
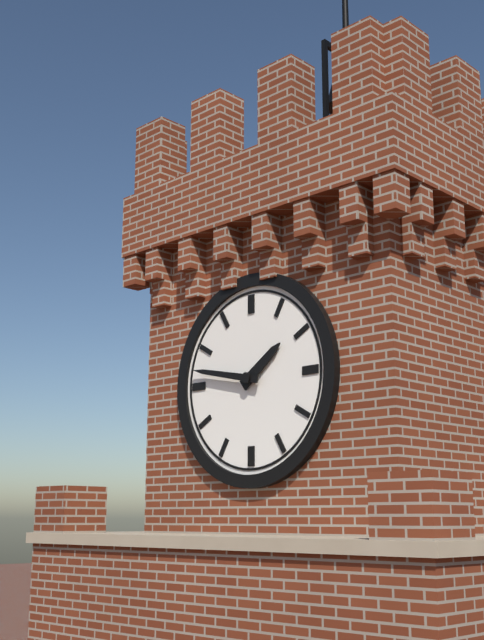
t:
1h47
